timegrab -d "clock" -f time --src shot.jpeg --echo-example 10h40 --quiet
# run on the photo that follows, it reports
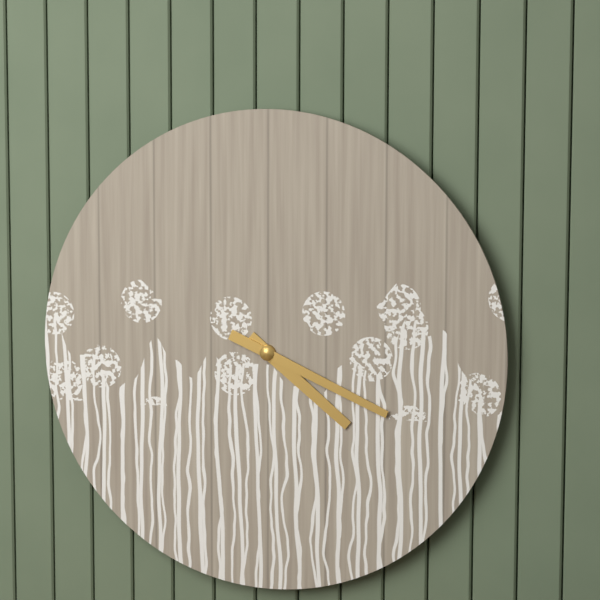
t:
4h19
